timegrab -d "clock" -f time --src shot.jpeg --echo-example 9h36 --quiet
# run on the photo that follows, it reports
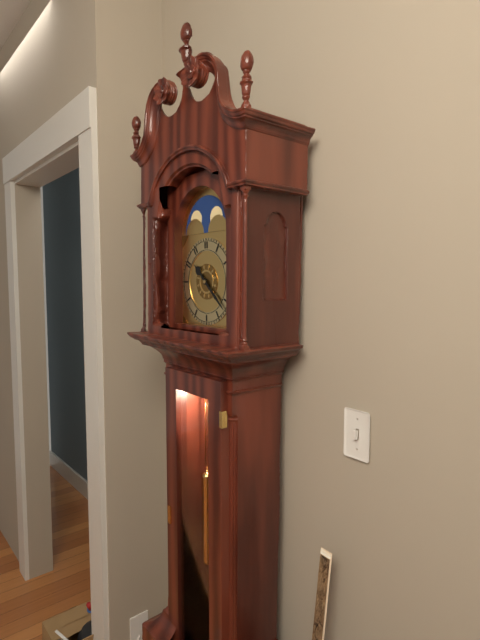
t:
10h22
